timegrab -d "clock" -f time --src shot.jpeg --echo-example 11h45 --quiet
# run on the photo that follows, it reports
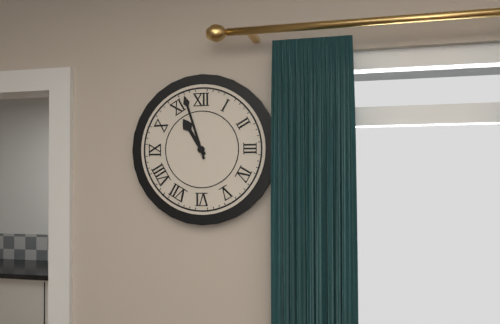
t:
10h57
